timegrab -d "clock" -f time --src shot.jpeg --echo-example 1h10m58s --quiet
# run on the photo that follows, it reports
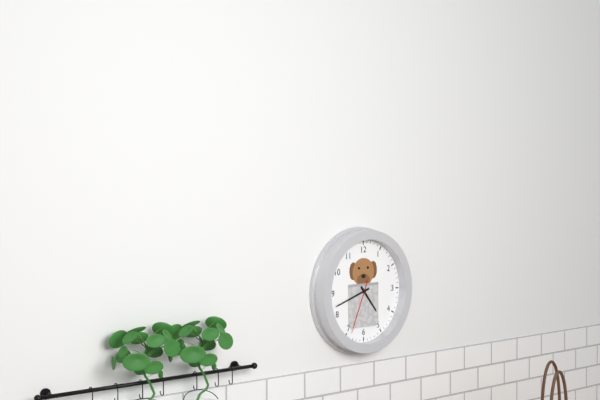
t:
4h42m34s
